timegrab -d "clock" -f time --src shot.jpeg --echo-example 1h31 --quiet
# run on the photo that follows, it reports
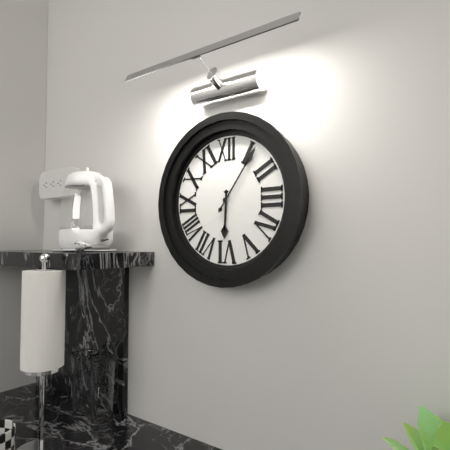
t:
6h06
